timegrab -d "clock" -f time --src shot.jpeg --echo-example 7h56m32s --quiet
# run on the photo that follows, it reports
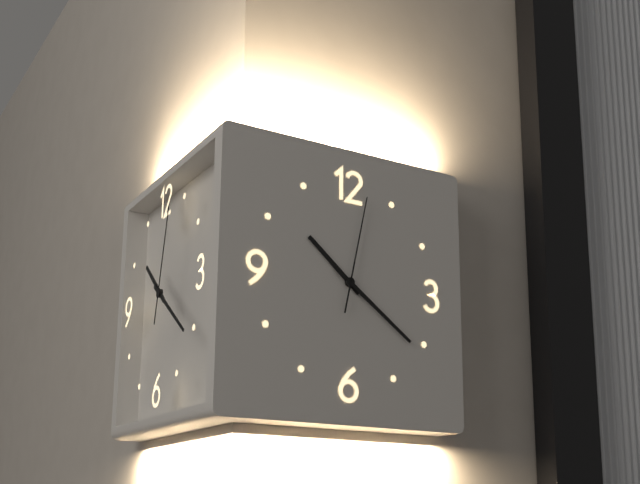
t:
10h21m02s
